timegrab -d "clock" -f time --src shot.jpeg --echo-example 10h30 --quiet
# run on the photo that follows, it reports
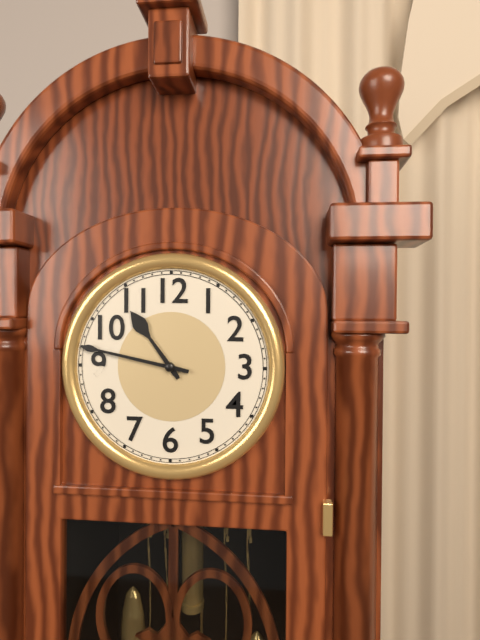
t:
10h47
